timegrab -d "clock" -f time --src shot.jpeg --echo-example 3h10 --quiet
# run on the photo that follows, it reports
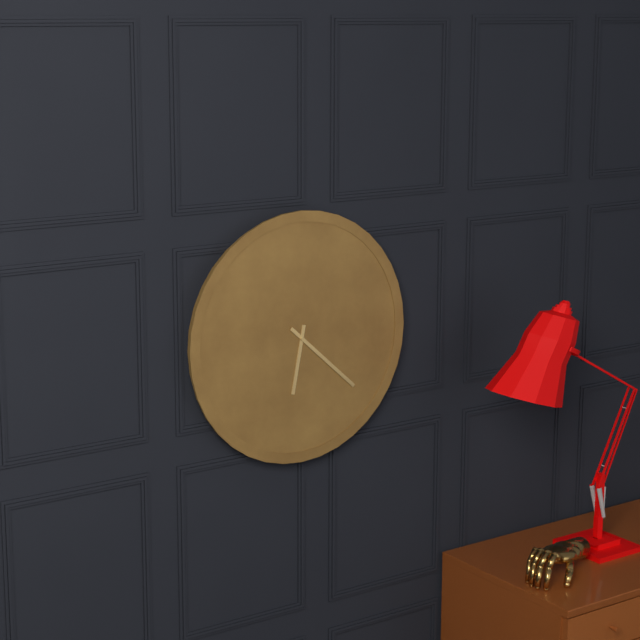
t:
6h22
